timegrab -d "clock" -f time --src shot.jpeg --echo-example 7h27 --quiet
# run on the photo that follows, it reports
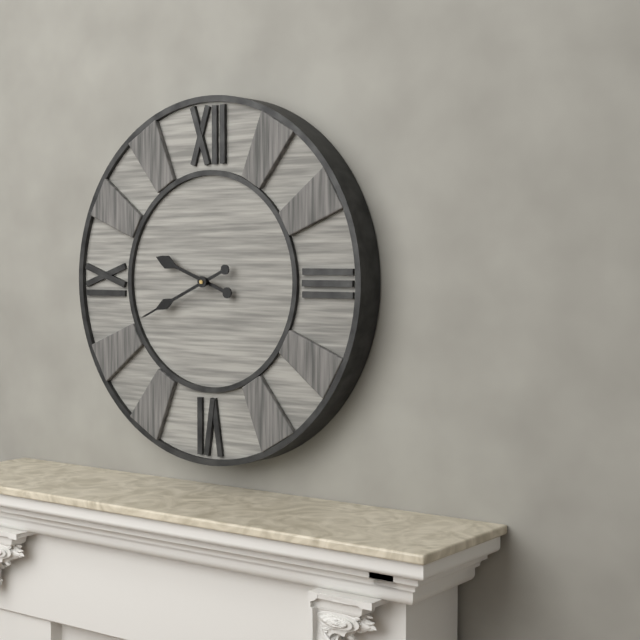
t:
9h41
